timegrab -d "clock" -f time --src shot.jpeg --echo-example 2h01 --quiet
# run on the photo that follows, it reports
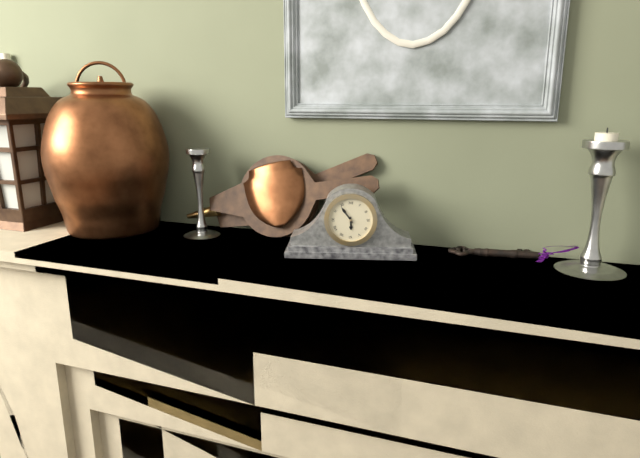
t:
5h54
